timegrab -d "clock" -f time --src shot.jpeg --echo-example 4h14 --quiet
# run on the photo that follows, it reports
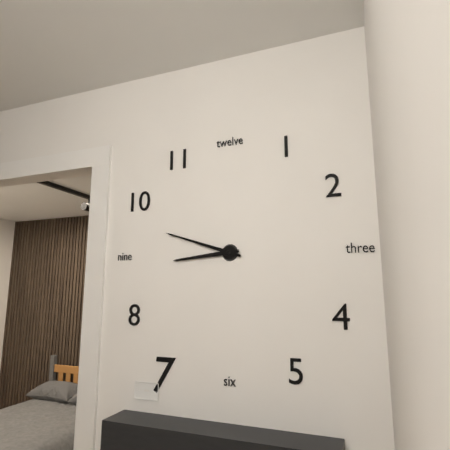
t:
8h48
